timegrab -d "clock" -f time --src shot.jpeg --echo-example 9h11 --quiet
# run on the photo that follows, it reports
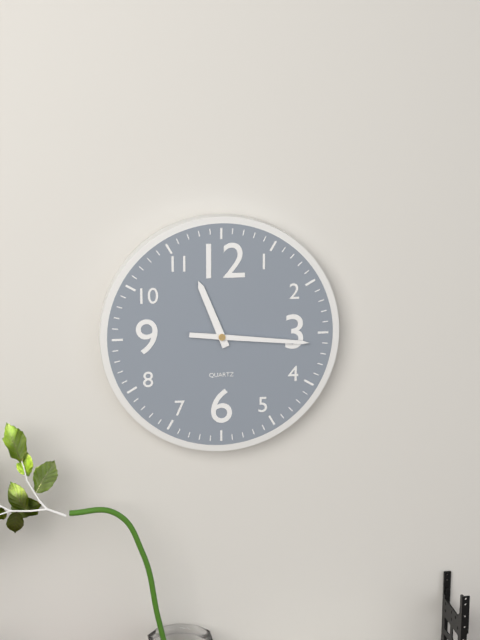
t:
11h16
